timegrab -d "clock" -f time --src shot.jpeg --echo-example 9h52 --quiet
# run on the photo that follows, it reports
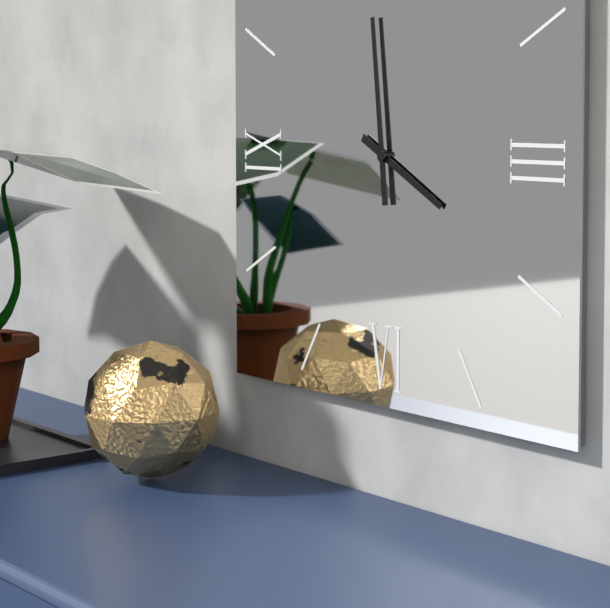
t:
3h59
